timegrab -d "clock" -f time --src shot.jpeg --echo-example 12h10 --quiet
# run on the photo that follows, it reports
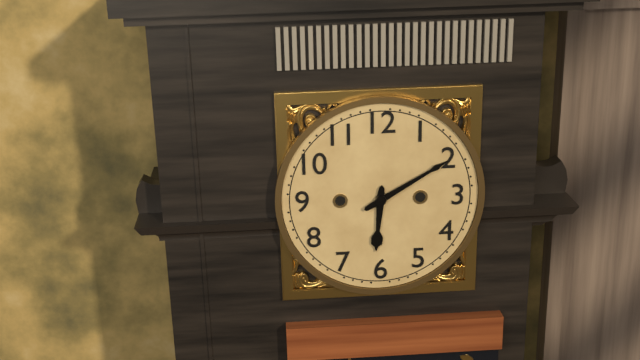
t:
6h10
